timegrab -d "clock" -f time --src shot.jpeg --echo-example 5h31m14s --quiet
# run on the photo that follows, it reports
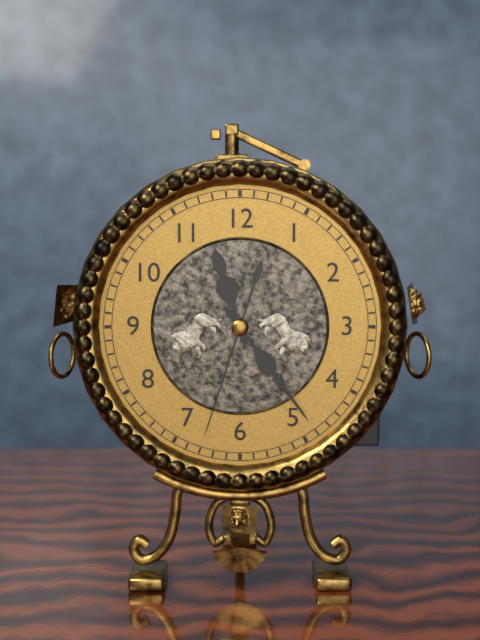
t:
11h24m33s
